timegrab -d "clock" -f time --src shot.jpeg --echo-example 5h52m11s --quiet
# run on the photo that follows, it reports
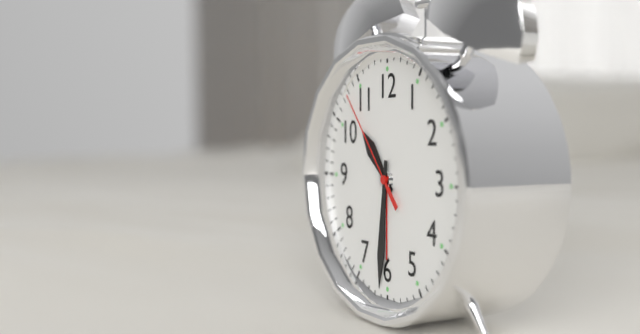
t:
10h31m53s
